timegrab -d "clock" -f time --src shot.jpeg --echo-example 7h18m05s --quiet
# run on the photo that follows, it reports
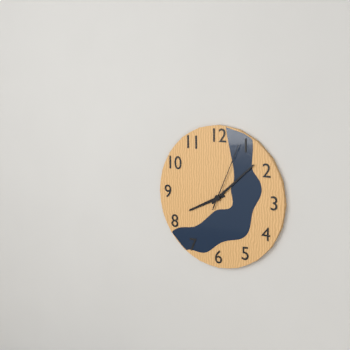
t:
8h08m04s
